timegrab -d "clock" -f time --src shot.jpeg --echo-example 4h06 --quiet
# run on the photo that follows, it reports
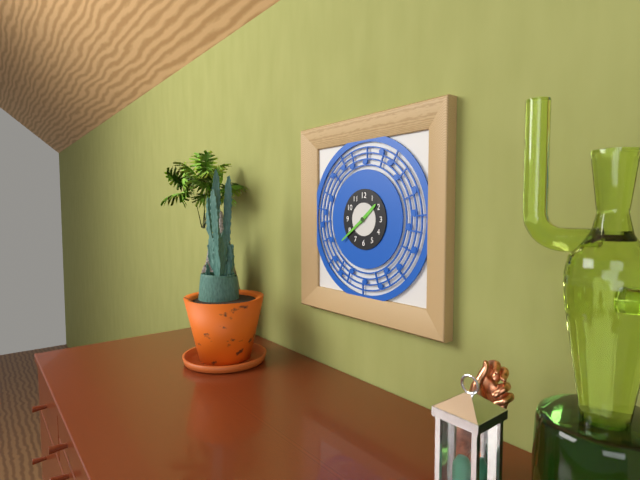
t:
1h39
